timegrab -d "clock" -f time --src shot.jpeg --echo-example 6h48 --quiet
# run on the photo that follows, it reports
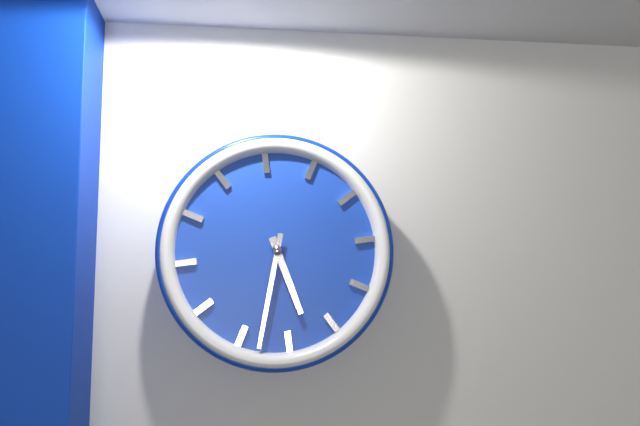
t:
5h33
